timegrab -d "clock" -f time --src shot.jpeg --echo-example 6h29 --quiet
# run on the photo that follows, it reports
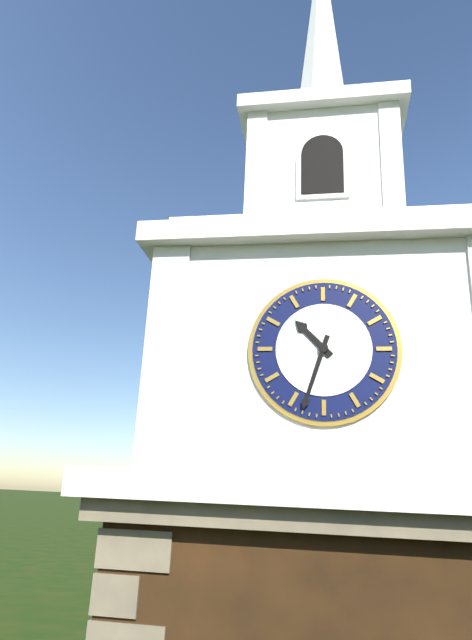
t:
10h33
